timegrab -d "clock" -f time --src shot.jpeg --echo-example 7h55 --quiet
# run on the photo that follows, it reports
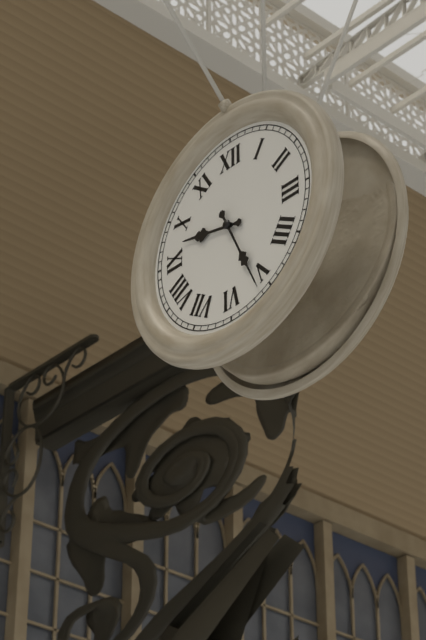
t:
9h26
